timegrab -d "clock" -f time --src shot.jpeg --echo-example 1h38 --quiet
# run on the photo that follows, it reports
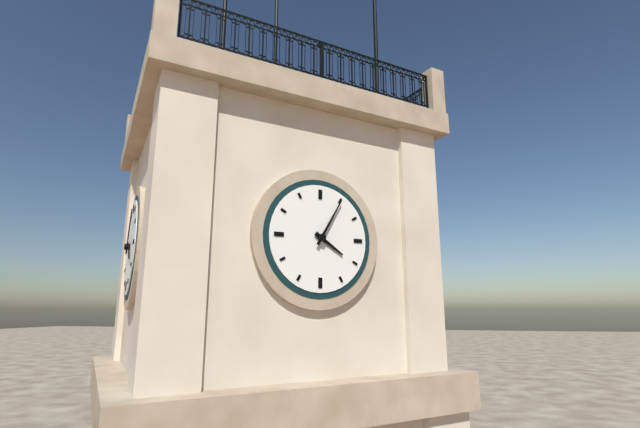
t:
4h05
